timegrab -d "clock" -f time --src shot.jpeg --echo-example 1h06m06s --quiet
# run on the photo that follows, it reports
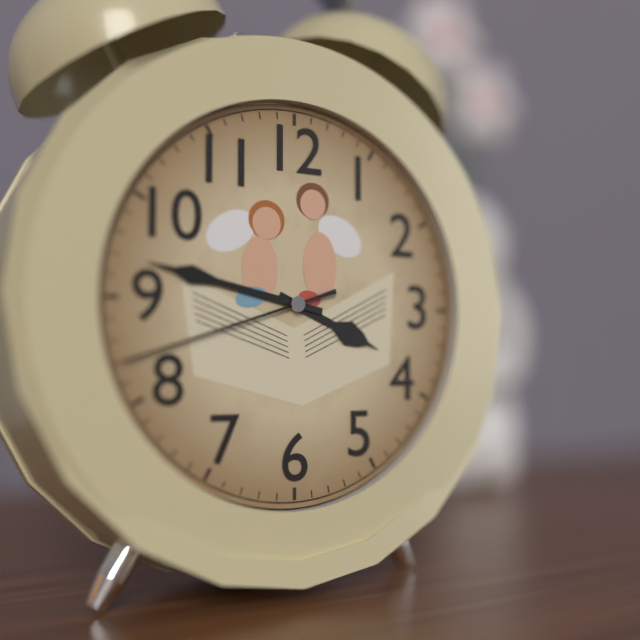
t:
3h47m42s
